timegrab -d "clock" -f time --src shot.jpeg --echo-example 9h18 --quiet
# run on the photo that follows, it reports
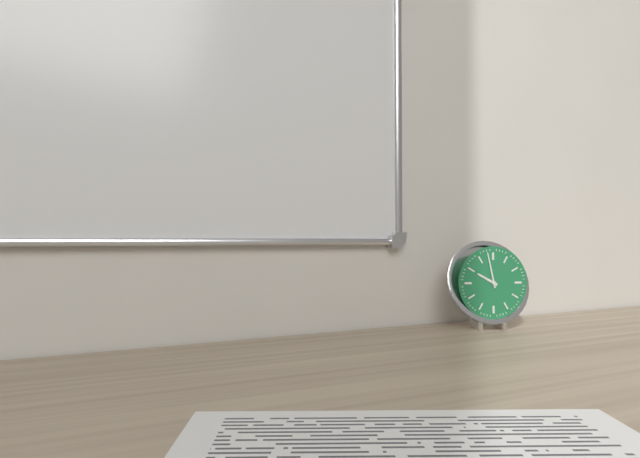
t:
9h58
